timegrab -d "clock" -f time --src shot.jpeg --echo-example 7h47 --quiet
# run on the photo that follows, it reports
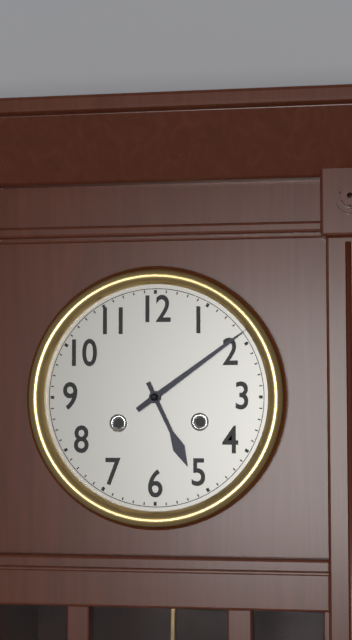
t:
5h09
